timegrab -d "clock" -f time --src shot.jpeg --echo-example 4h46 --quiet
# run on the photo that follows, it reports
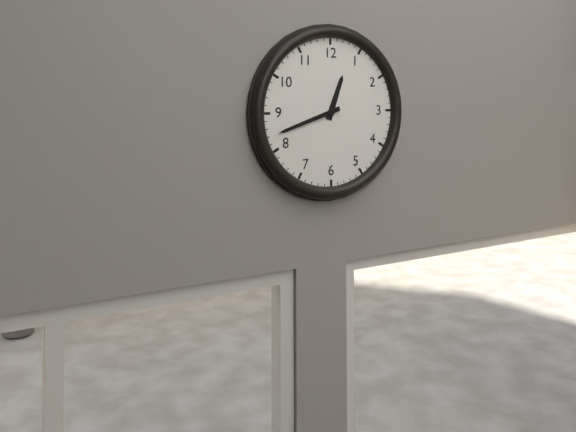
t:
12h42
